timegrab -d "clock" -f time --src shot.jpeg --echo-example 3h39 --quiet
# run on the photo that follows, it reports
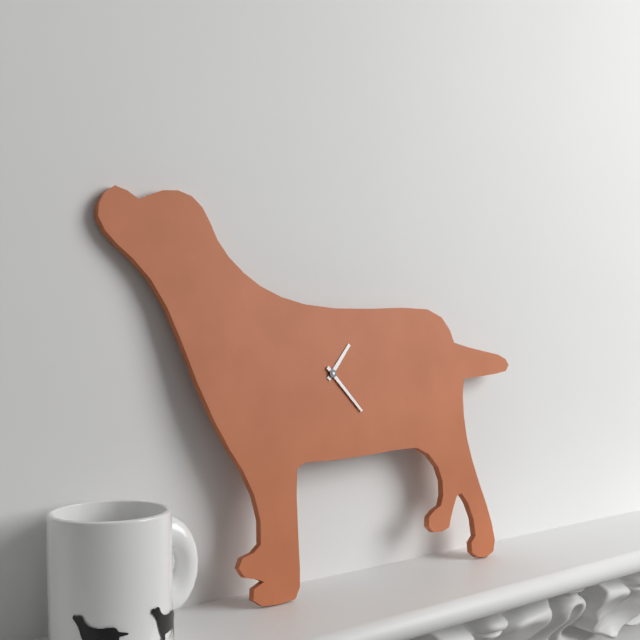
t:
1h23
